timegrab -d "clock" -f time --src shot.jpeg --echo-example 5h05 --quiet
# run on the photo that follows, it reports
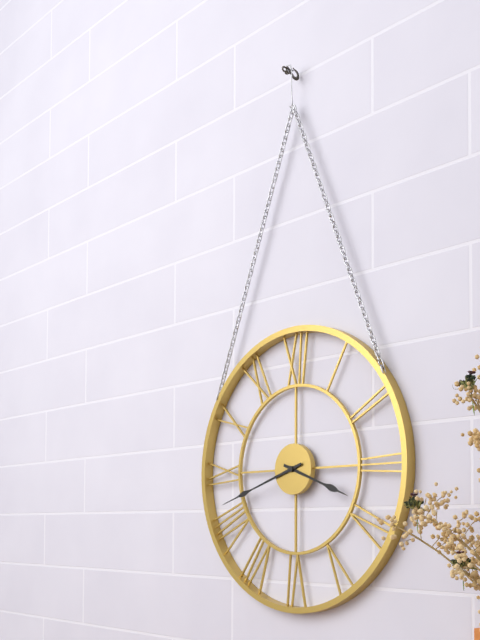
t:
3h42
